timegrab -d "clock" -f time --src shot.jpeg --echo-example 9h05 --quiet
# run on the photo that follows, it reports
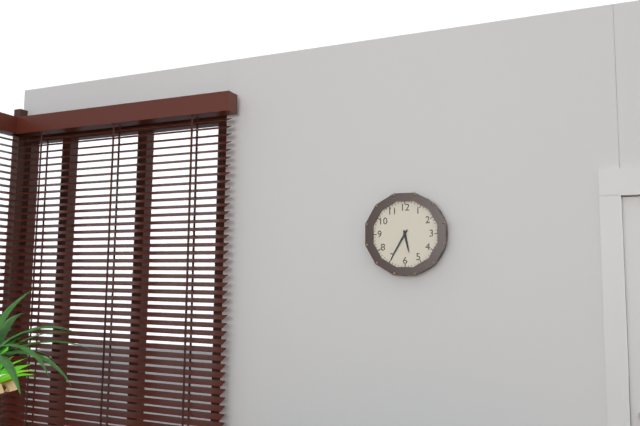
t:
5h35
